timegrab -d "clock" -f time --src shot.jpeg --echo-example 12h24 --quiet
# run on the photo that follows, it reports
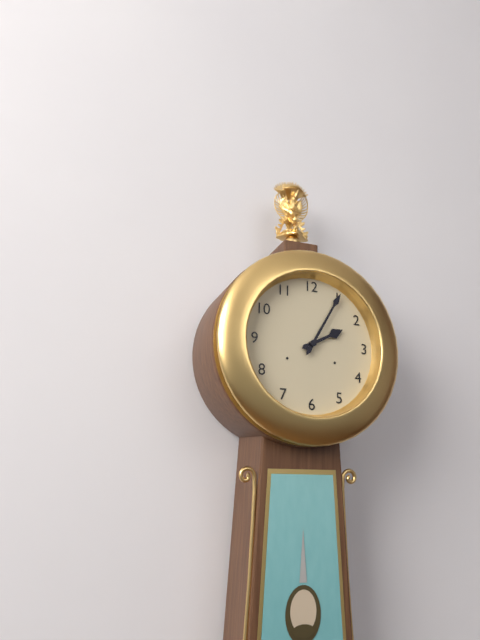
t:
2h05
